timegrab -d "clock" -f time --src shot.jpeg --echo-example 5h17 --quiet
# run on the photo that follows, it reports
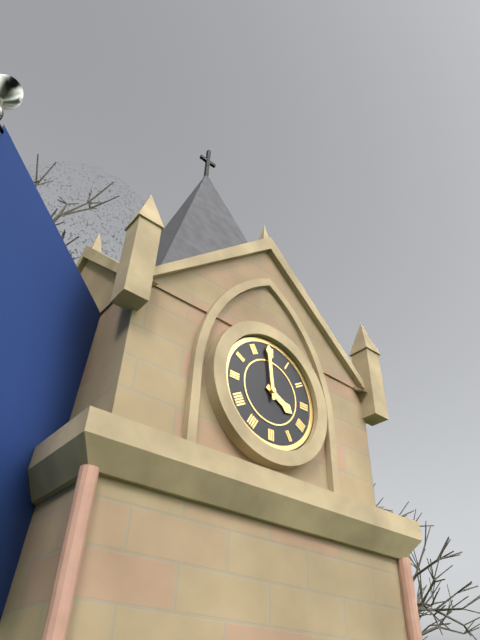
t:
3h59
